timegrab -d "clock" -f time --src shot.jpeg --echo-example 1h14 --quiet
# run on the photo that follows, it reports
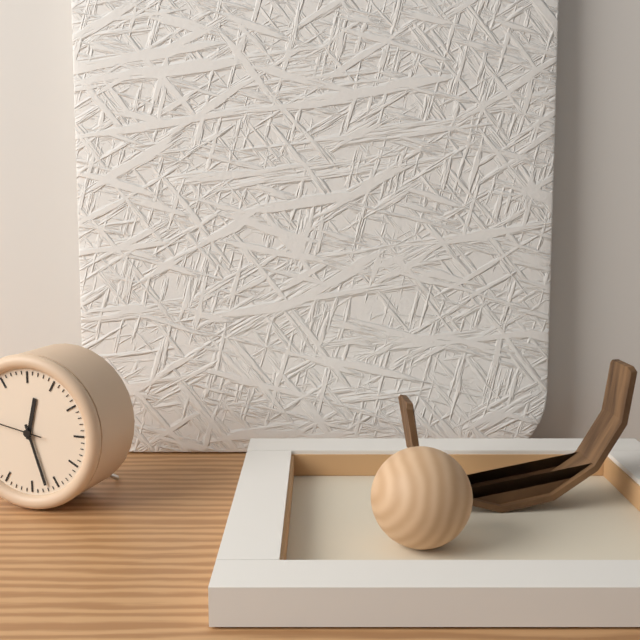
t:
12h27
